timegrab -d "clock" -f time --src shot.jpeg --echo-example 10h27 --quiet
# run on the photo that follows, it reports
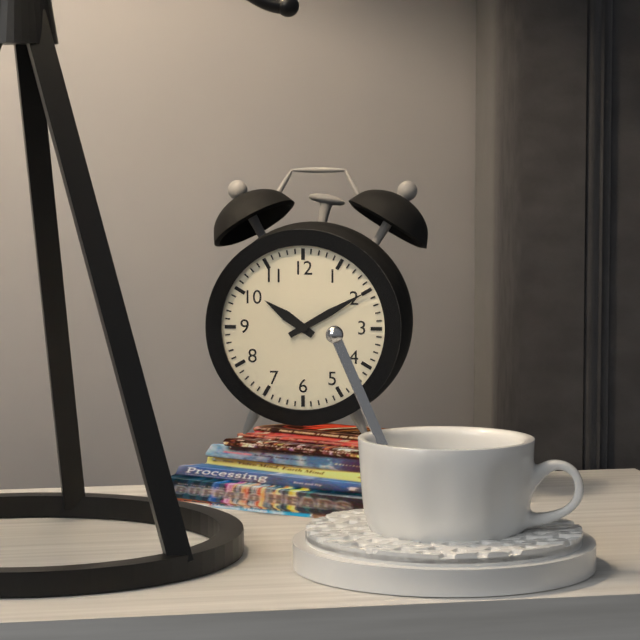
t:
10h10
